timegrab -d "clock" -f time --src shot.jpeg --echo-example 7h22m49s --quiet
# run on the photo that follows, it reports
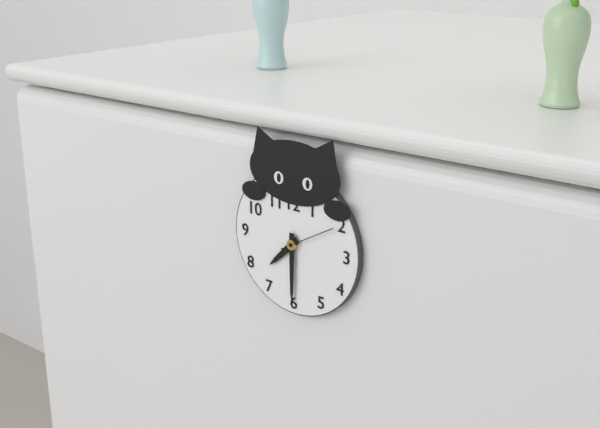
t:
7h30m10s
